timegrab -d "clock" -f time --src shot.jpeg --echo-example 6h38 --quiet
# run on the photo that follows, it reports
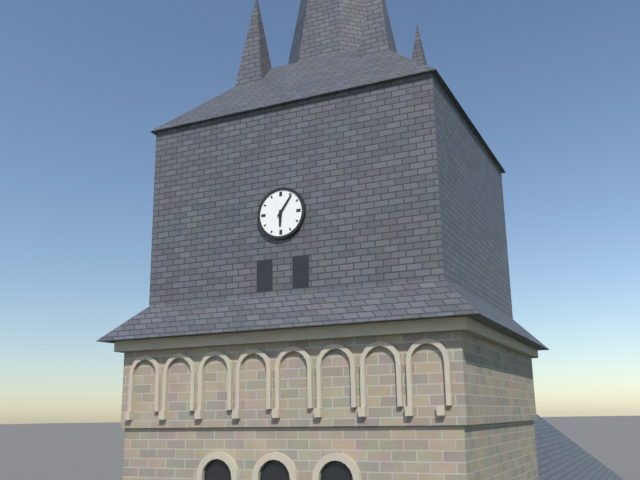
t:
6h06
